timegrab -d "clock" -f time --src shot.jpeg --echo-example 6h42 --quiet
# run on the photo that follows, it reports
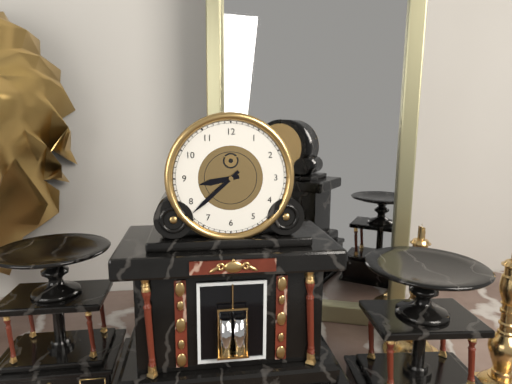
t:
8h38
